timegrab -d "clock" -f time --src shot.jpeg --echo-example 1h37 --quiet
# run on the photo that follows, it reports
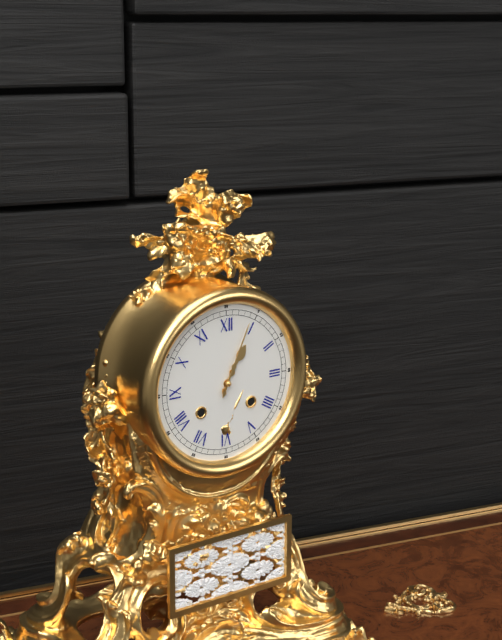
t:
1h04
